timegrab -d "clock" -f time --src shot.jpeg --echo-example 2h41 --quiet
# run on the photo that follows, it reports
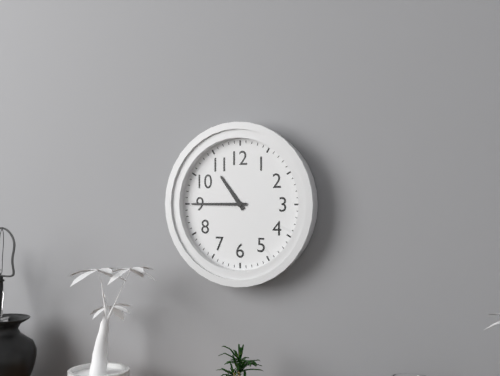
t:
10h45
